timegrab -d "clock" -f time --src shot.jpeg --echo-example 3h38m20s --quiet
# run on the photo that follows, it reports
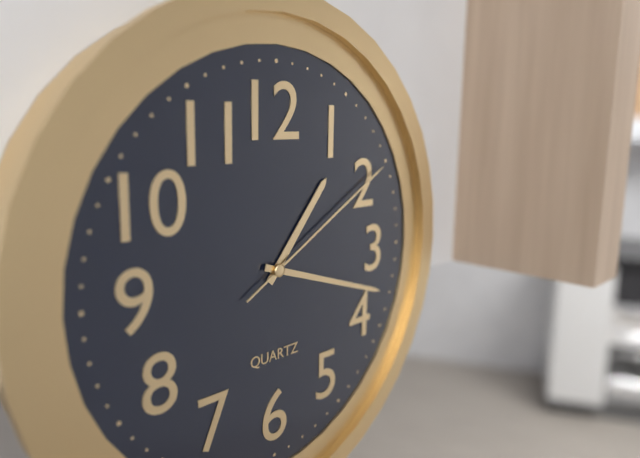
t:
1h18m10s
